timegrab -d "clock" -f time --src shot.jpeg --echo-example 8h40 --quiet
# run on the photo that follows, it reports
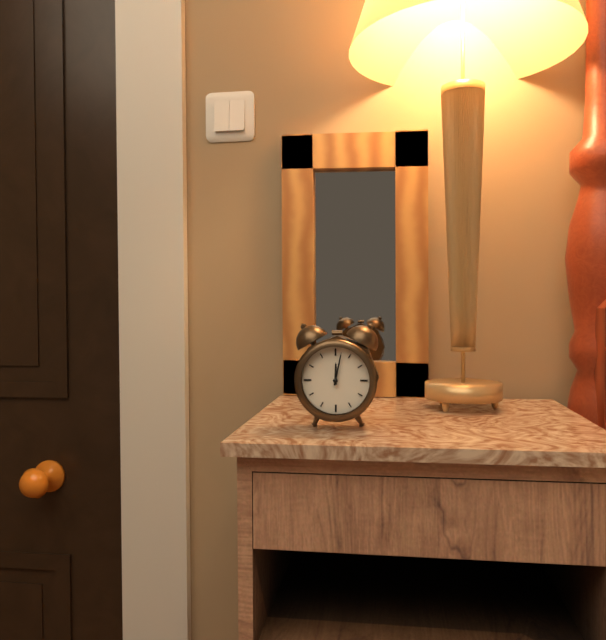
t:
12h02
